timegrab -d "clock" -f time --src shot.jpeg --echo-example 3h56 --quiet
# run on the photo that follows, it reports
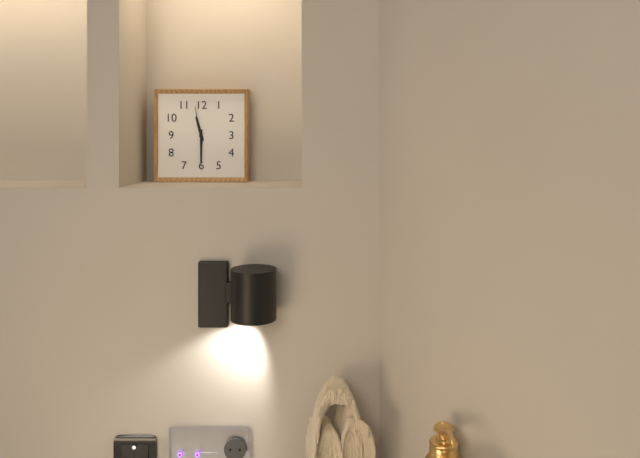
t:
11h30
